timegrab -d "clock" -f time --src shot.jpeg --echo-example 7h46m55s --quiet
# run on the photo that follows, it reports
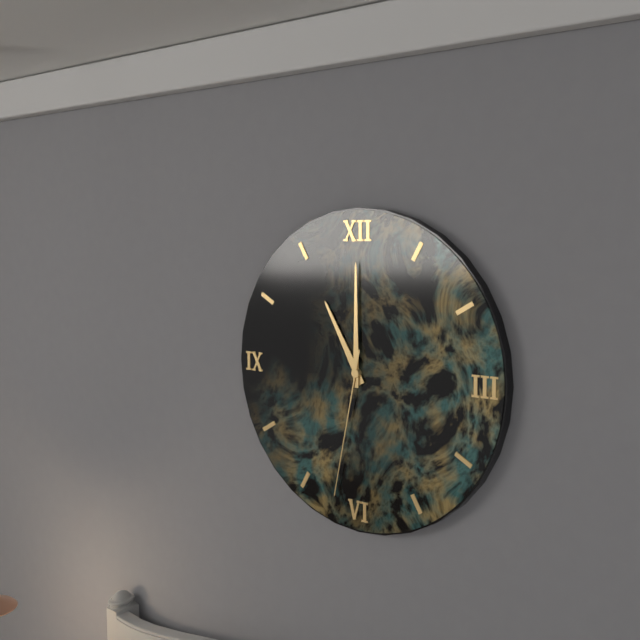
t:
11h00m32s
